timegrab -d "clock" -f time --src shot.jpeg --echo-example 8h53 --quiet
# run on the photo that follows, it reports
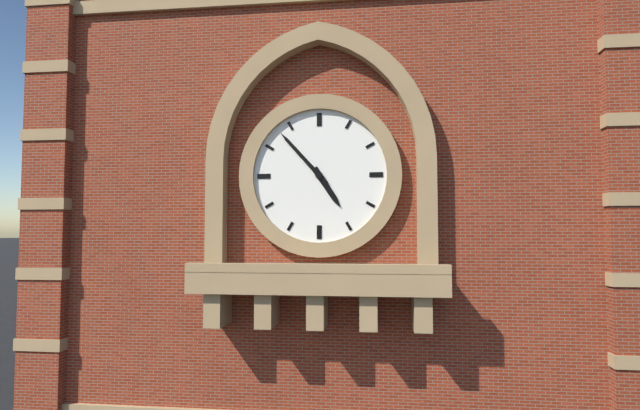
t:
4h53
